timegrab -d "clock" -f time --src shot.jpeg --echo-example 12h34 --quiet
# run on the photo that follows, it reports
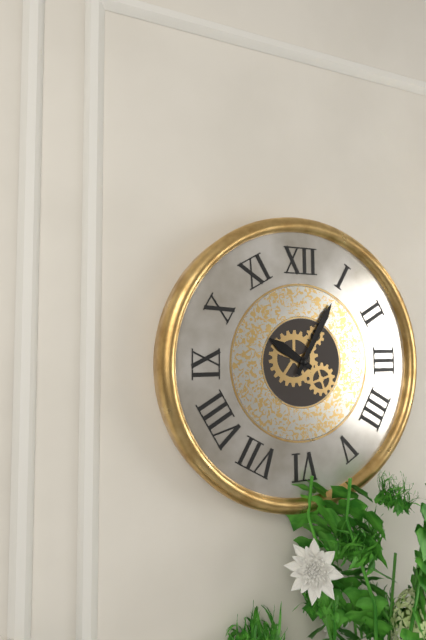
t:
10h05
